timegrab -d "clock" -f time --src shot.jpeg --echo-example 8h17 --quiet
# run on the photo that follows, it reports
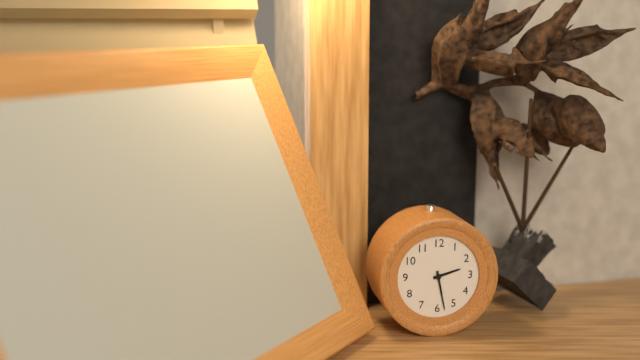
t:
2h28
